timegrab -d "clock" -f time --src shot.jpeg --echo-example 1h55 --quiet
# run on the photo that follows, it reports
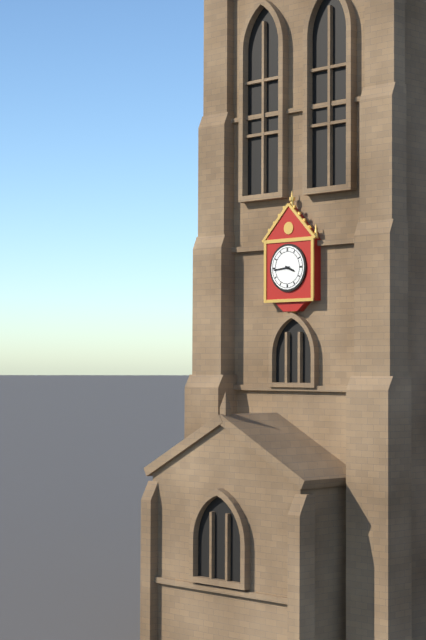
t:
3h44
